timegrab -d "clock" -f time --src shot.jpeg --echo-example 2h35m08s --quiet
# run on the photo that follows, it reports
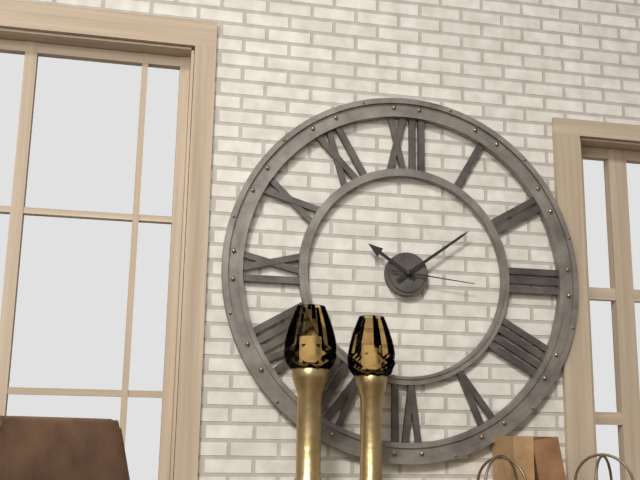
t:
10h09m16s
